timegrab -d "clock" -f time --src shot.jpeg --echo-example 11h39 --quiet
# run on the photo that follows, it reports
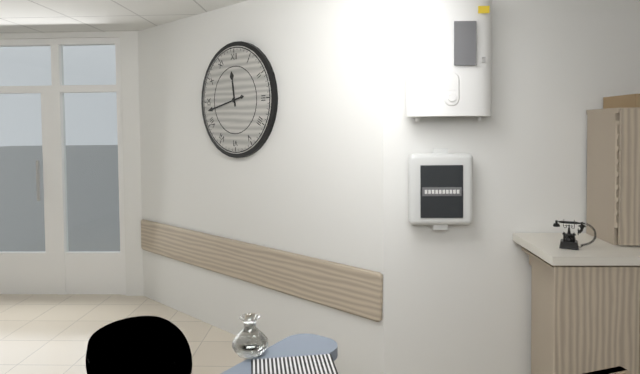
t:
11h43
